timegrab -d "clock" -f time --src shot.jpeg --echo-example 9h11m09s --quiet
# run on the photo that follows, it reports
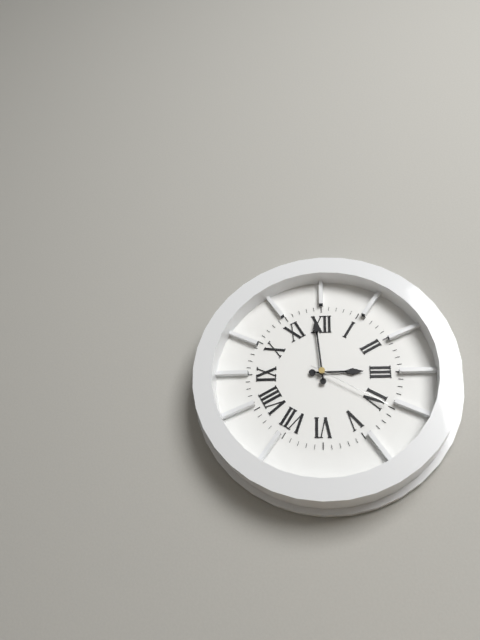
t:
2h59m20s
